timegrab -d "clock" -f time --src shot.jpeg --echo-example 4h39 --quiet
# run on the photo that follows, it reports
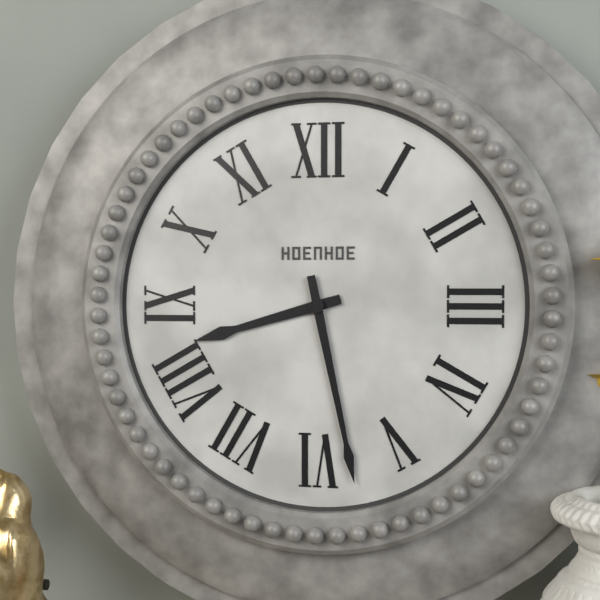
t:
8h28
